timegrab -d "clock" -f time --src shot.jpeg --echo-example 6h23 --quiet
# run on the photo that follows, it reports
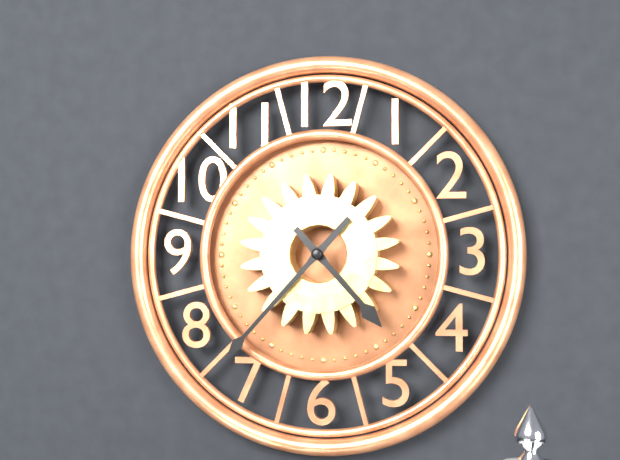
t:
4h37
